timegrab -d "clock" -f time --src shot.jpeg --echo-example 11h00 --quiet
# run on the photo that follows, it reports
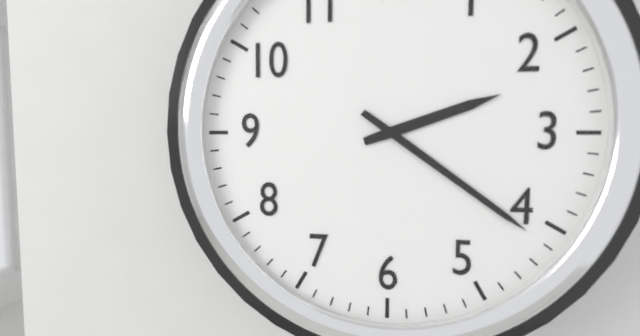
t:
2h21
